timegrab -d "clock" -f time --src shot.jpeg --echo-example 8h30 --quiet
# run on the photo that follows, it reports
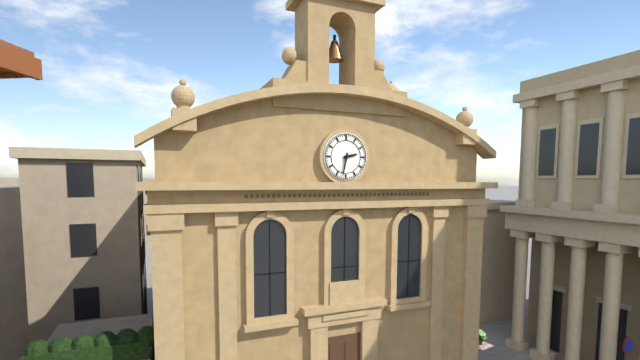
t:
2h32
